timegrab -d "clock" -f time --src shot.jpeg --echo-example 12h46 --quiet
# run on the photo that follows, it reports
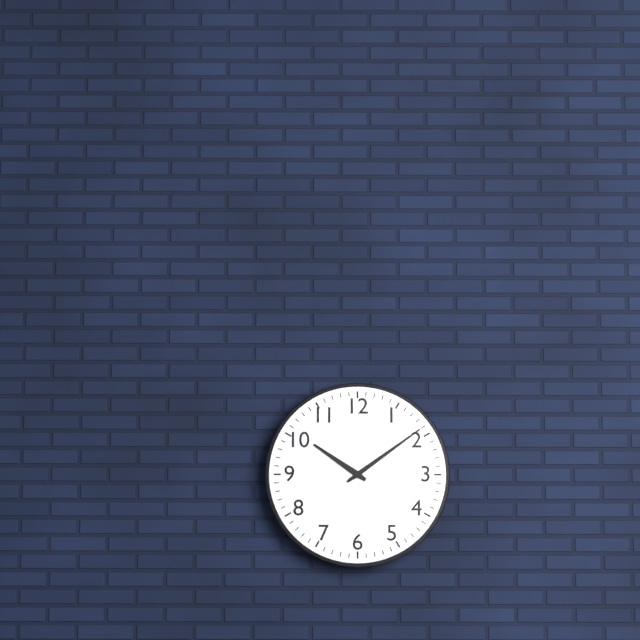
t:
10h09
